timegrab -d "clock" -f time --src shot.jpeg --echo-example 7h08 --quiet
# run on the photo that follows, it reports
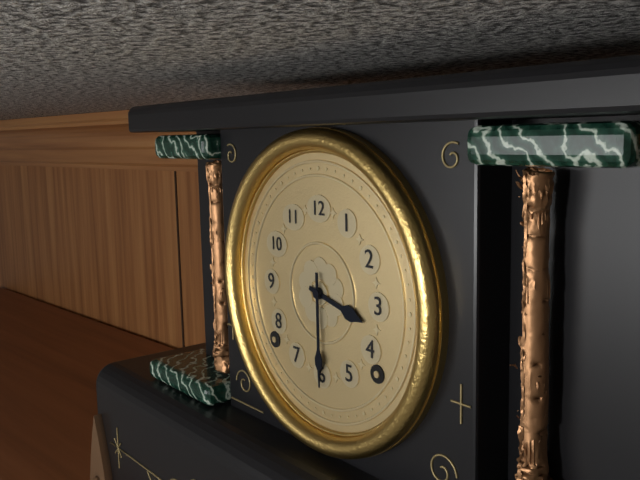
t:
3h30
